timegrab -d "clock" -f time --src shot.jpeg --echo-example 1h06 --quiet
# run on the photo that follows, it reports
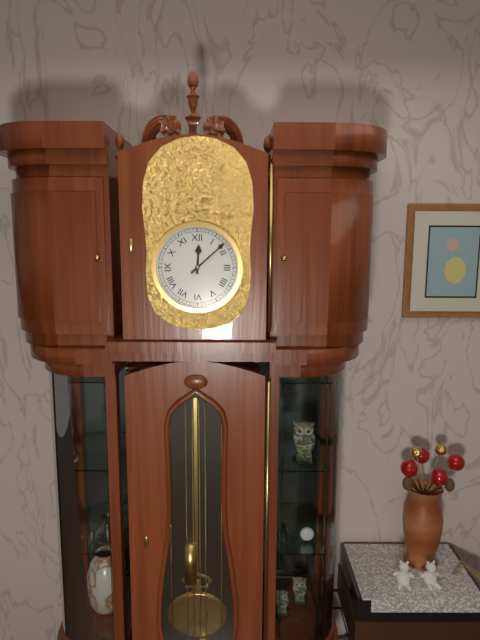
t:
12h08
